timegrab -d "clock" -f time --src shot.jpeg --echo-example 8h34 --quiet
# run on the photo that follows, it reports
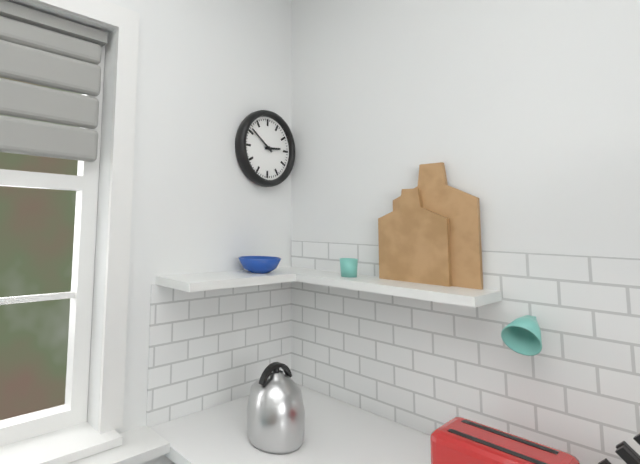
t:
2h51
